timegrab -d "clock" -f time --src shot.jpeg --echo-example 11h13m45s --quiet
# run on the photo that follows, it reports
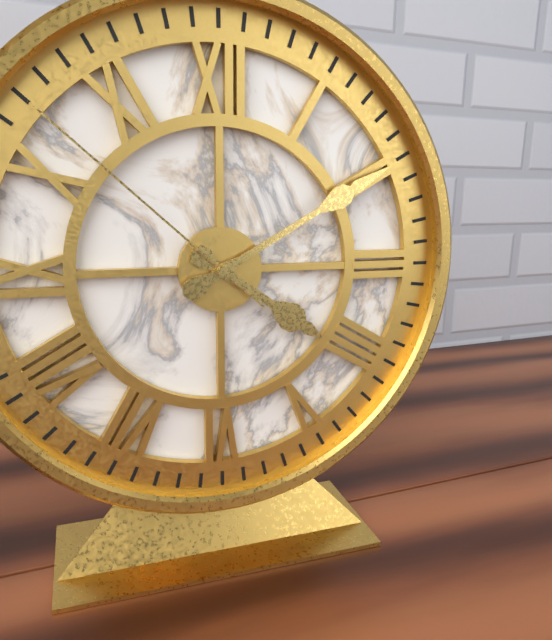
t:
4h10m52s
